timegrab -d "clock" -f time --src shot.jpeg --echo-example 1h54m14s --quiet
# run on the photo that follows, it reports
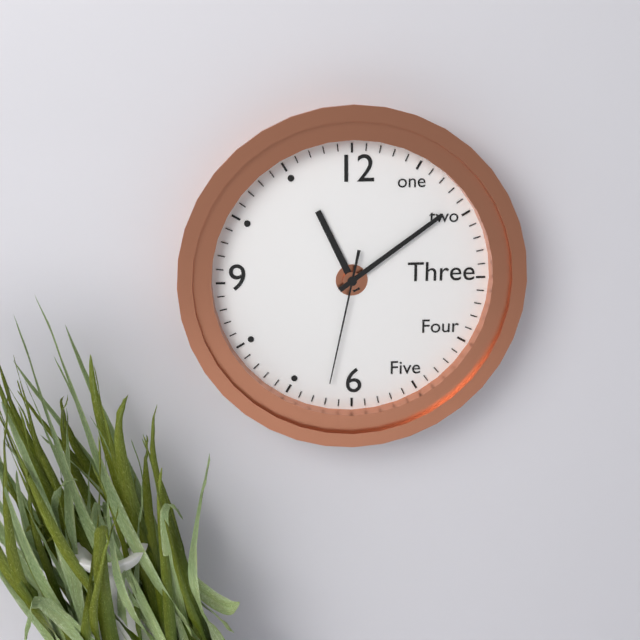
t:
11h09m32s
